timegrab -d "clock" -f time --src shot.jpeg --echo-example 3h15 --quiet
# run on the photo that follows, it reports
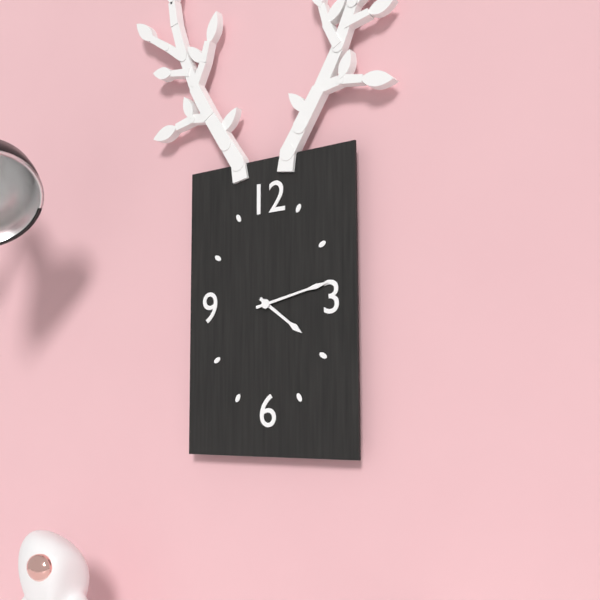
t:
4h13
